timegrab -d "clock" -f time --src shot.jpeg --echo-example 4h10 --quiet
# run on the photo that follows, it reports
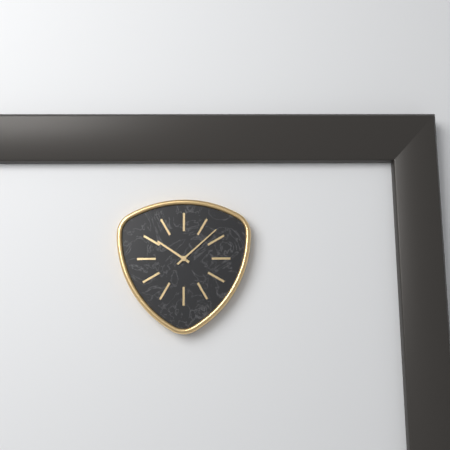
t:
10h08
